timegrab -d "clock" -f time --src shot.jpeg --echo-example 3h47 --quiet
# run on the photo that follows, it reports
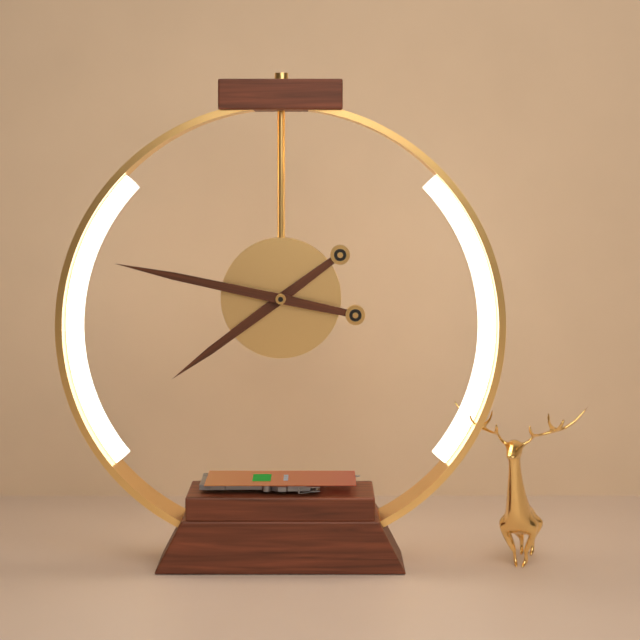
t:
7h47
